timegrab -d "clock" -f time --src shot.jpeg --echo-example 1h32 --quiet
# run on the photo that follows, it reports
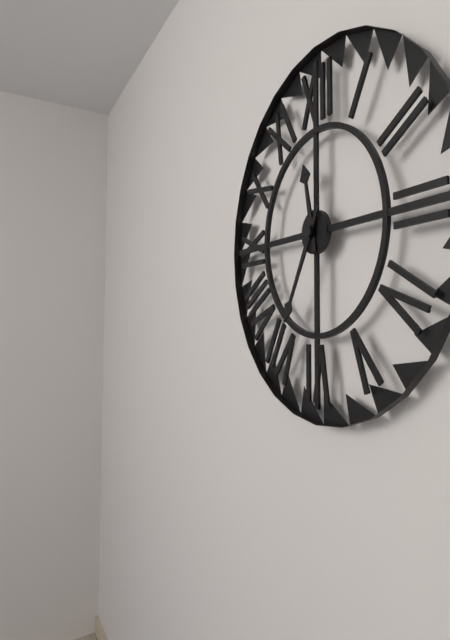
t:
11h35
